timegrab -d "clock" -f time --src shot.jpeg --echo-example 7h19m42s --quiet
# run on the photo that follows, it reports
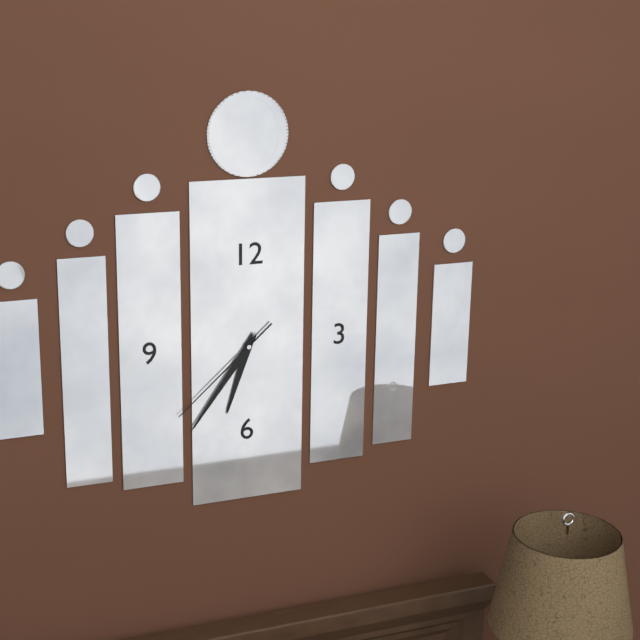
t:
6h36m38s
